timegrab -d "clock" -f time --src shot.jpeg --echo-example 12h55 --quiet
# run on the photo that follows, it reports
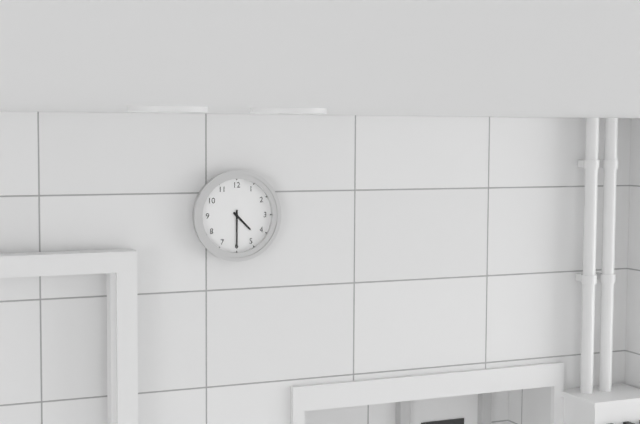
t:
4h30
